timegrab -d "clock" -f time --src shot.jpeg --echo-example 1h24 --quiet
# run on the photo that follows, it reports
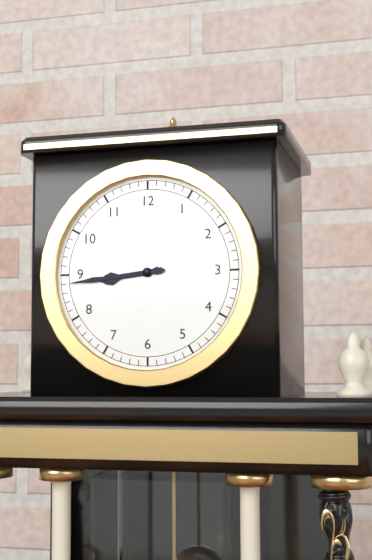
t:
8h44
